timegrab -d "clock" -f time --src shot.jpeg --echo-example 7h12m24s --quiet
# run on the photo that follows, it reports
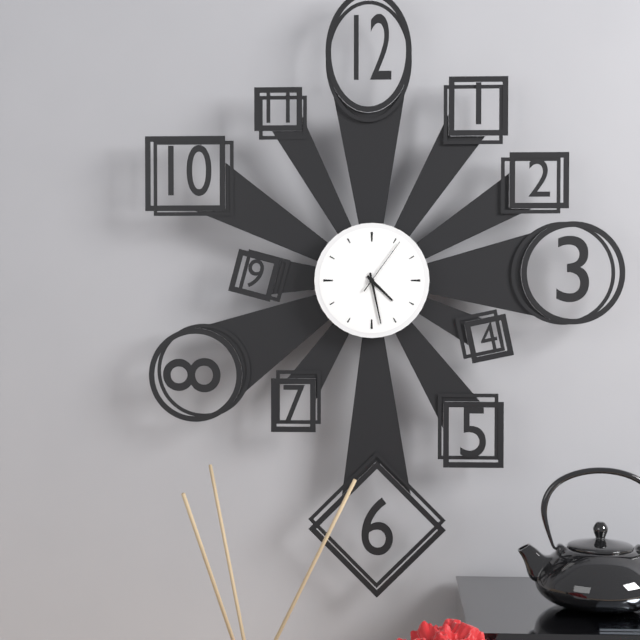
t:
4h28m06s
